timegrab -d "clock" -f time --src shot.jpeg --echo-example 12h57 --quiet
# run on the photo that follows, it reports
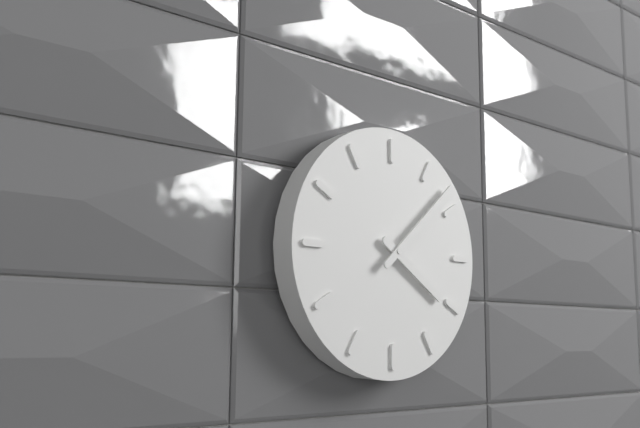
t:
4h08
